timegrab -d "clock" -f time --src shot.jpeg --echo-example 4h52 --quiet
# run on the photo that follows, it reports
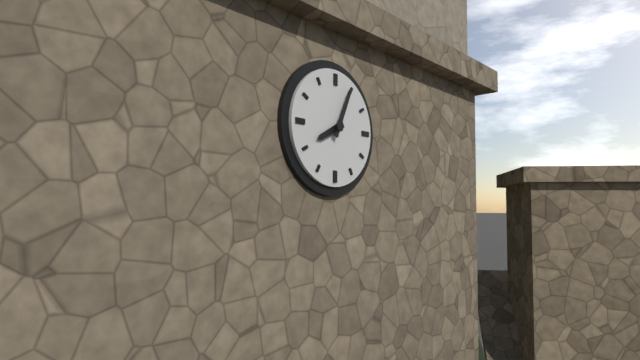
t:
8h04
